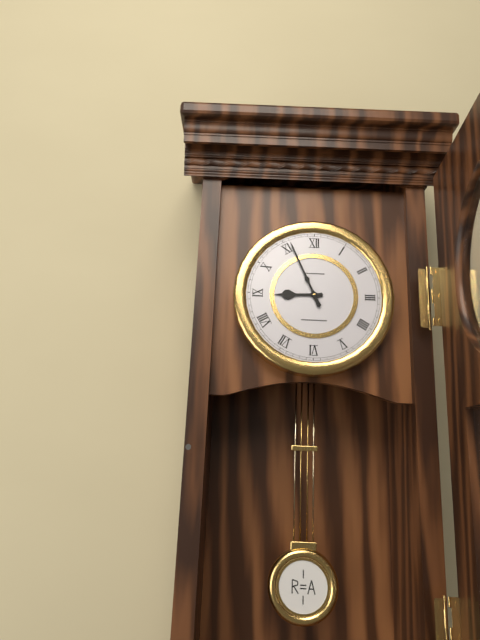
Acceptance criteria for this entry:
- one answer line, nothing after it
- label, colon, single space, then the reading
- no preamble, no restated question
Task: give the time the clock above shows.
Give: 8:56
